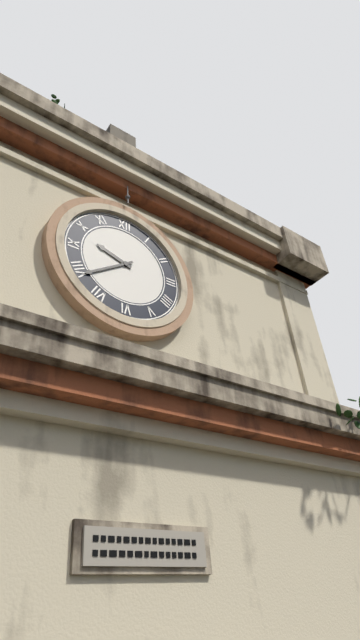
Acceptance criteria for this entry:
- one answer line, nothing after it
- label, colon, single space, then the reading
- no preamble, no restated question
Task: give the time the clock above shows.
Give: 9:39
